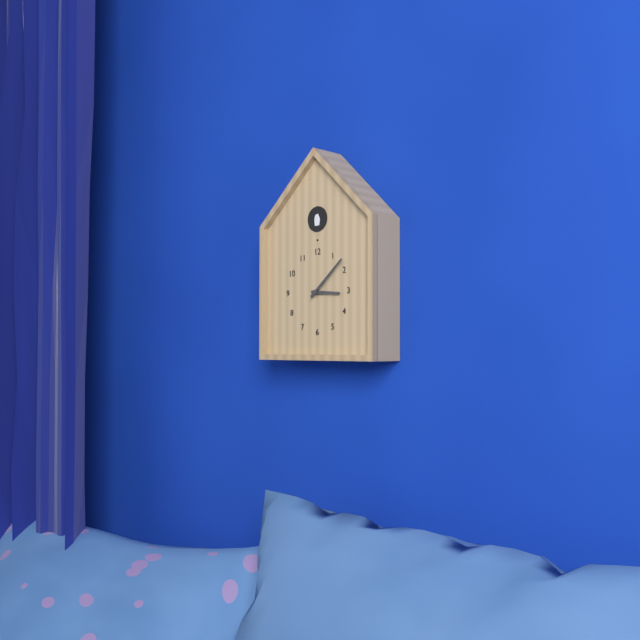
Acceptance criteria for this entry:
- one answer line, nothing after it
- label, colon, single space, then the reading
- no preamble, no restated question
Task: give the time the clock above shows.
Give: 3:08
